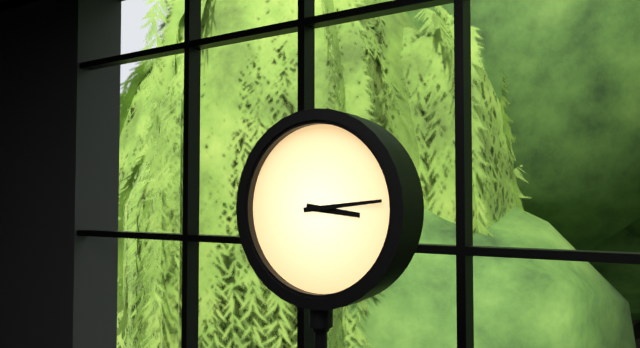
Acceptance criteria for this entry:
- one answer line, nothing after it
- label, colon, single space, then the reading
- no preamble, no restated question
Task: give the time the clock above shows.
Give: 3:14
